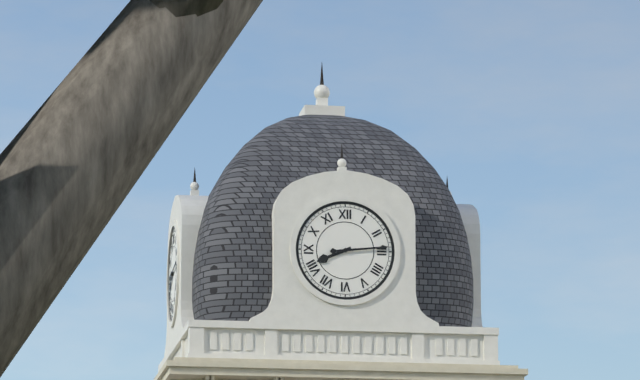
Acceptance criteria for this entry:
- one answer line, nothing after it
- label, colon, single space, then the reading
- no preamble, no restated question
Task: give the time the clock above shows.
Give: 8:14
